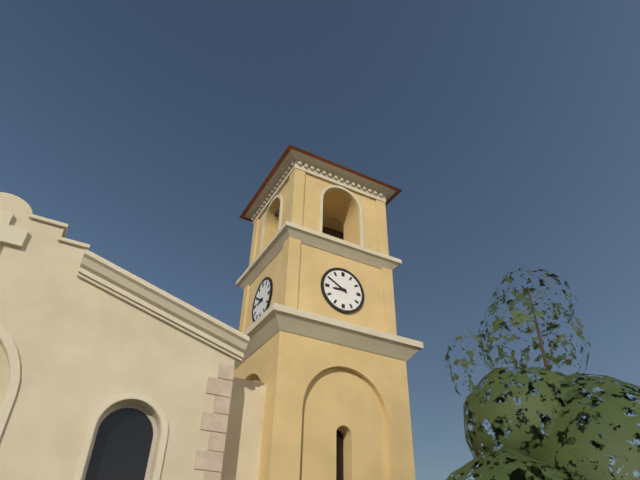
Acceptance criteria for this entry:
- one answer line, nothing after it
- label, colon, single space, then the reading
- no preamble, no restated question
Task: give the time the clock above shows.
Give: 8:50
